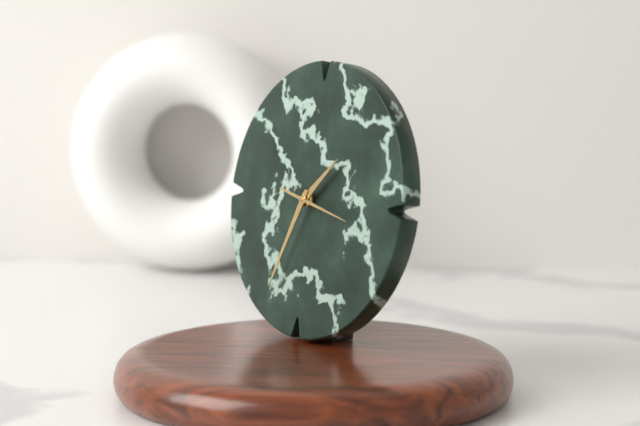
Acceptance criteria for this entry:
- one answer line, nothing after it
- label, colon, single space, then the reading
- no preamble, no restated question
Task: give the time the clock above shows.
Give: 1:34:17
